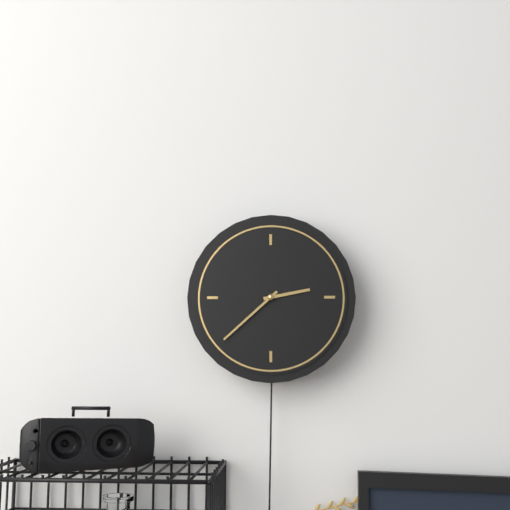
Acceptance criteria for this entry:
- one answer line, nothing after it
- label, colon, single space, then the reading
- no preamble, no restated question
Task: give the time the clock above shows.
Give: 2:38
